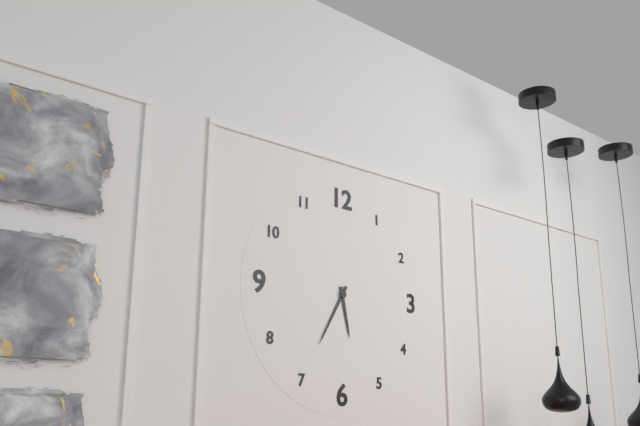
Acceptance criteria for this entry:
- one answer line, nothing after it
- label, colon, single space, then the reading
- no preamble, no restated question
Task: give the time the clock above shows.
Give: 5:35
